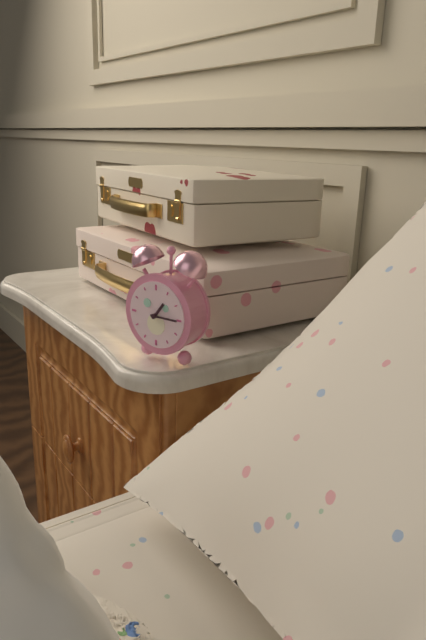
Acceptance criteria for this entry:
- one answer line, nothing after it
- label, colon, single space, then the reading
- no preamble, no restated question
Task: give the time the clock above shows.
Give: 1:15
